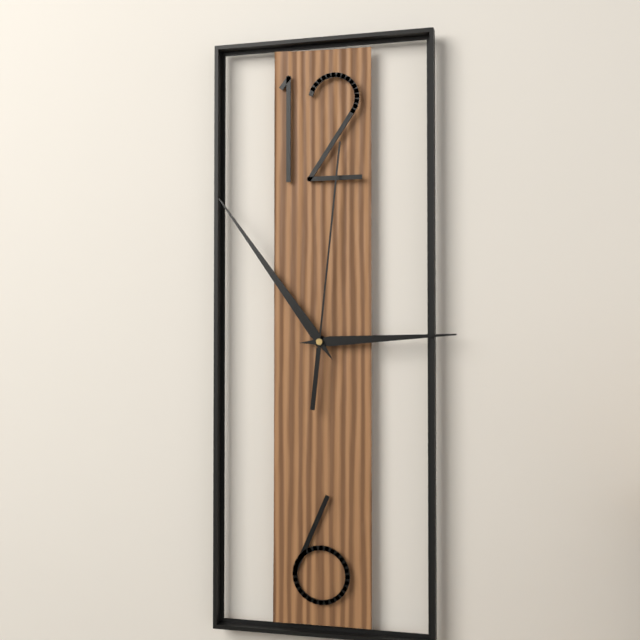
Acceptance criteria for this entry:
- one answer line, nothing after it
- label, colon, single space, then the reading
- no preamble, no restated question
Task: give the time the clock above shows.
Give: 2:54:01
